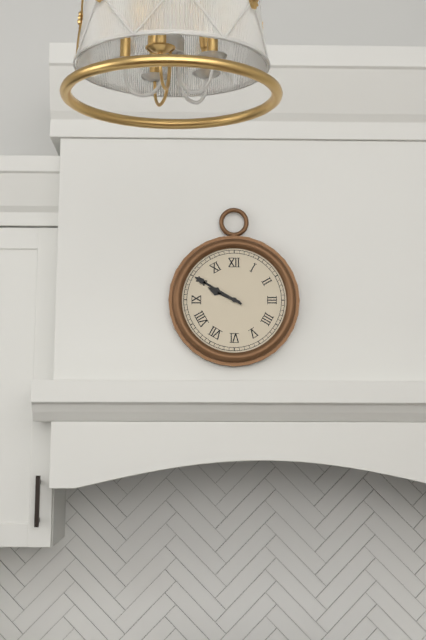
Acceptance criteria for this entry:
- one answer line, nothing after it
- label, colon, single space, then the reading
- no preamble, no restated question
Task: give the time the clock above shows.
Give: 9:50
